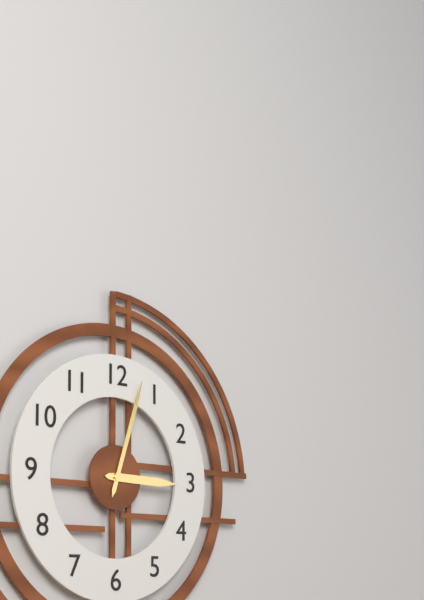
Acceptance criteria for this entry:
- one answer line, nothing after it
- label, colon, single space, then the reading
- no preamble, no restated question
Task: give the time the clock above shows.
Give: 3:03
